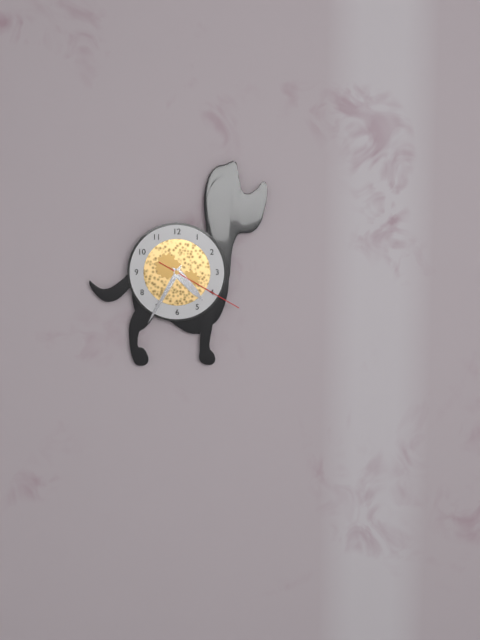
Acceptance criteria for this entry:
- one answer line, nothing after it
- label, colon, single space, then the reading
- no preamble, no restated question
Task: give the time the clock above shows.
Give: 4:35:20
